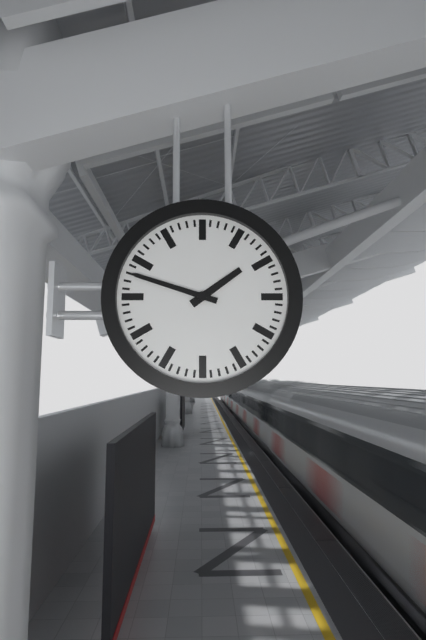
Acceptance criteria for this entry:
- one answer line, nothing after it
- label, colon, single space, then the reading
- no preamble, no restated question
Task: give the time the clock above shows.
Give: 1:48
